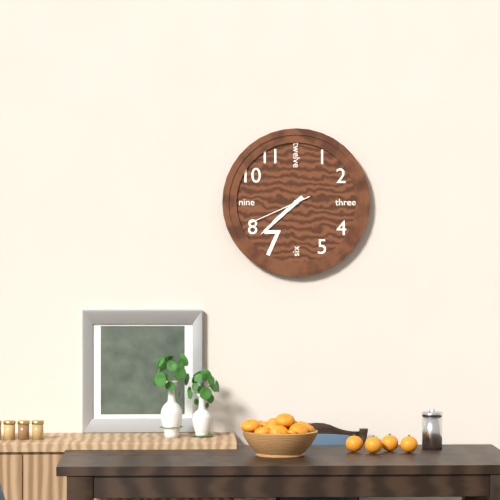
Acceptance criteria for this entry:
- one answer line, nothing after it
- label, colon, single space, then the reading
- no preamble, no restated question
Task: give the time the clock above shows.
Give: 7:38:41
